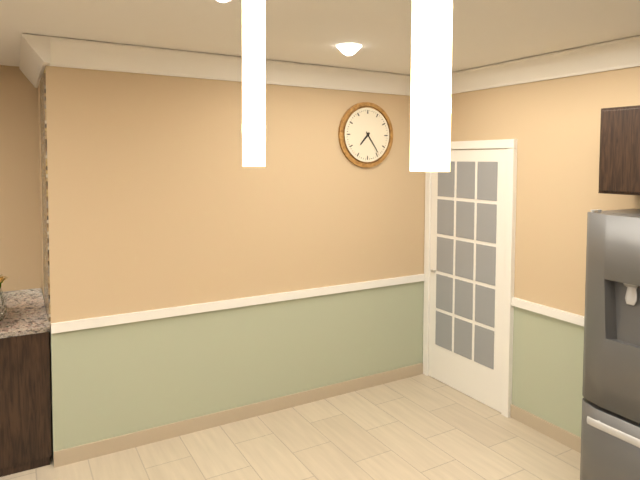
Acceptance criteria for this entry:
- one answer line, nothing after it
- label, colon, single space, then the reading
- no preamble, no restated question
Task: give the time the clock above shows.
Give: 7:24
